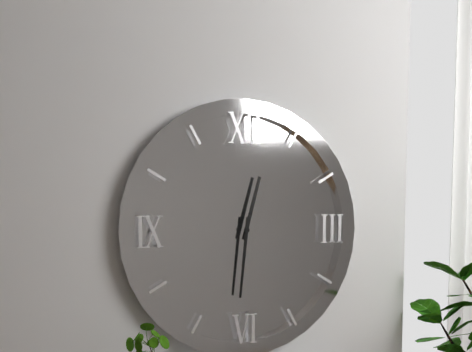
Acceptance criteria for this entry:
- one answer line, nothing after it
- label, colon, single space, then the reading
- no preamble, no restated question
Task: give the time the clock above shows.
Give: 12:31
